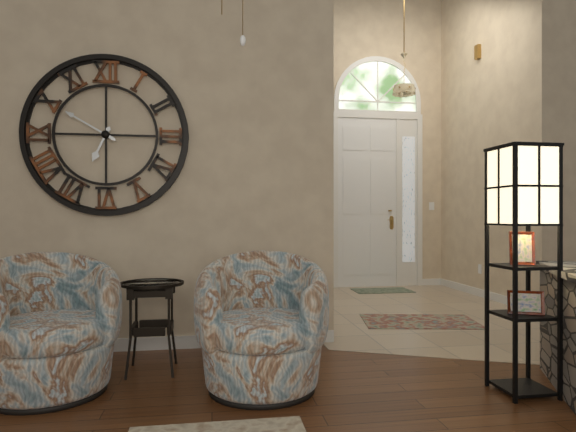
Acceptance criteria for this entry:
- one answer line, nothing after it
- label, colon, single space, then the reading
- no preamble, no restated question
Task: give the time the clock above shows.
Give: 6:50
